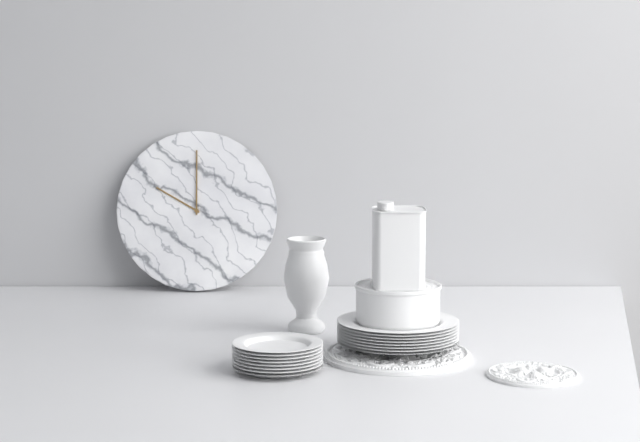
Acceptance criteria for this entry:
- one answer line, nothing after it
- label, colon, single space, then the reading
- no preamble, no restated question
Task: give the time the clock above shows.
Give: 10:00
